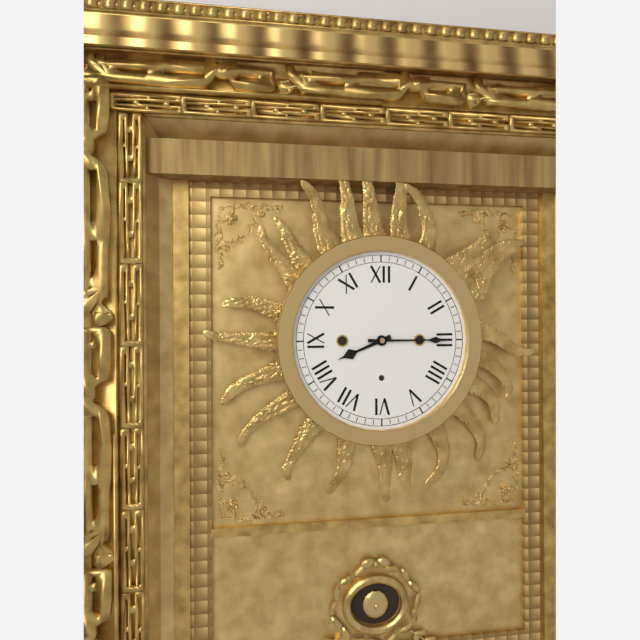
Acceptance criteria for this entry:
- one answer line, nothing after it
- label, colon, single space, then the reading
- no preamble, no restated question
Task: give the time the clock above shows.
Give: 8:15
